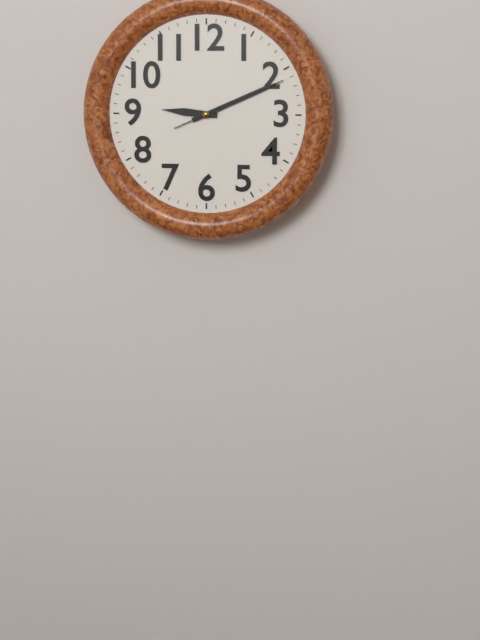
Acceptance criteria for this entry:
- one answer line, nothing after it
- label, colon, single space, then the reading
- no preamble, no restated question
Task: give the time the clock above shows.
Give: 9:11:11
